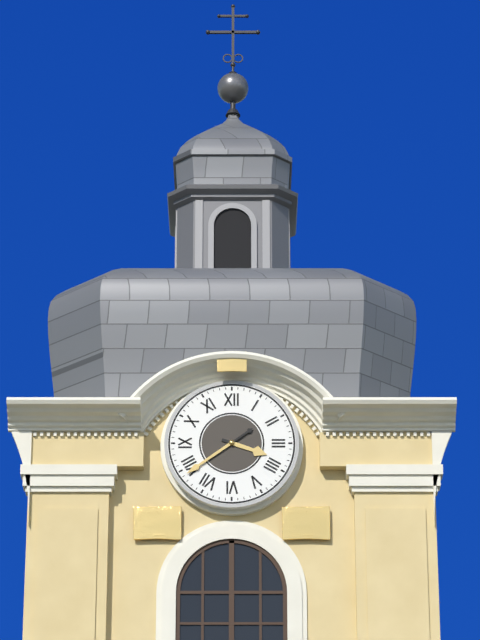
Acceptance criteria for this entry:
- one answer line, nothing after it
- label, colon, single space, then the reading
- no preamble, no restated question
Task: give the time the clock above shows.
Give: 3:39
